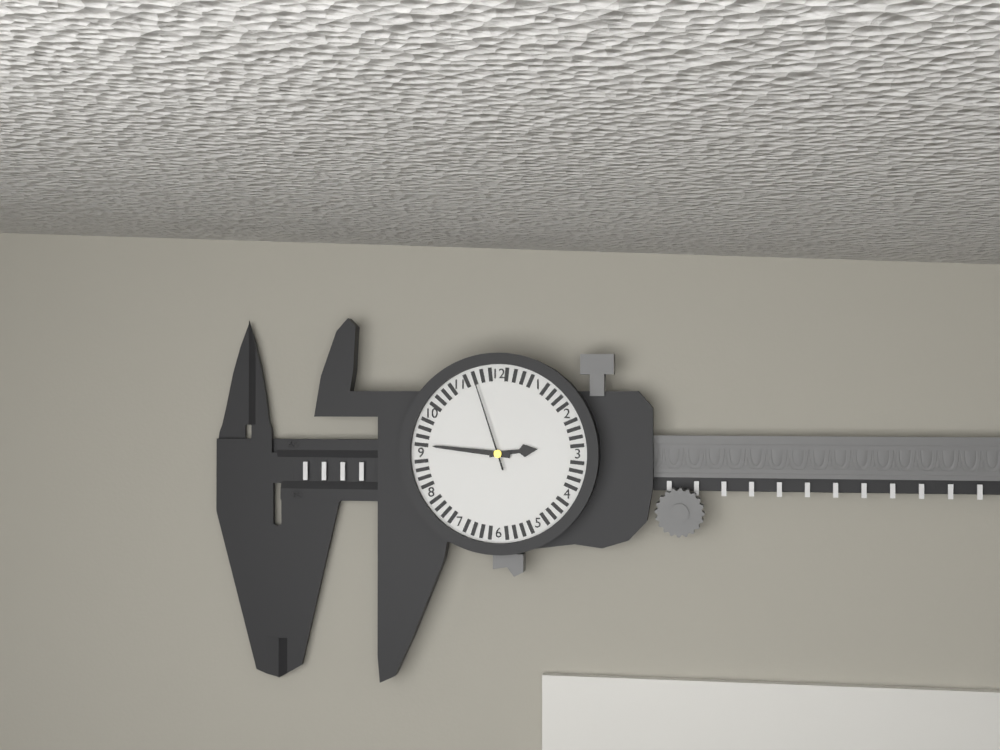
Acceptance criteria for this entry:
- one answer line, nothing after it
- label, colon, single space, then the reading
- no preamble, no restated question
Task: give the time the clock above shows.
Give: 2:46:57
